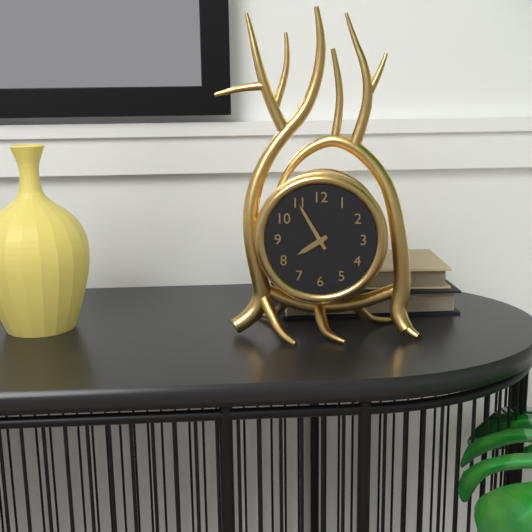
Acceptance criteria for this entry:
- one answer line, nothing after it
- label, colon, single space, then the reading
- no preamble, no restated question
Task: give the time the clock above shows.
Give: 7:55
